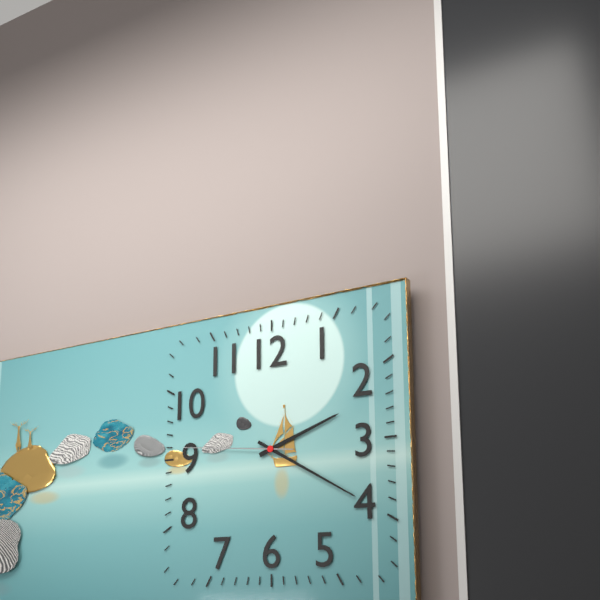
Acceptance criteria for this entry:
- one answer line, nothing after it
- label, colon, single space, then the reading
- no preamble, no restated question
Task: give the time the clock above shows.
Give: 2:20:46
